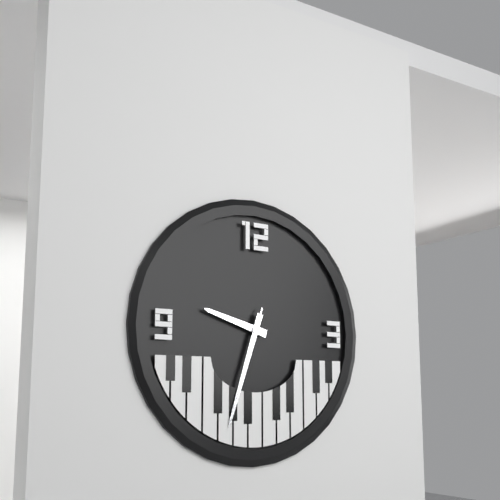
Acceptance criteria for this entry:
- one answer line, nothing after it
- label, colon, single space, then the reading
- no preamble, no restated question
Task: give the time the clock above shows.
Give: 9:33:33
